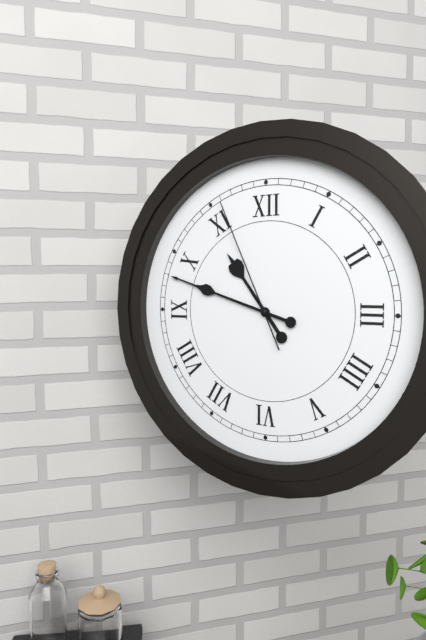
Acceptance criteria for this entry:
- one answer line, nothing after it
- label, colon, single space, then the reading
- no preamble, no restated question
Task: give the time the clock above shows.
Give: 10:48:56
